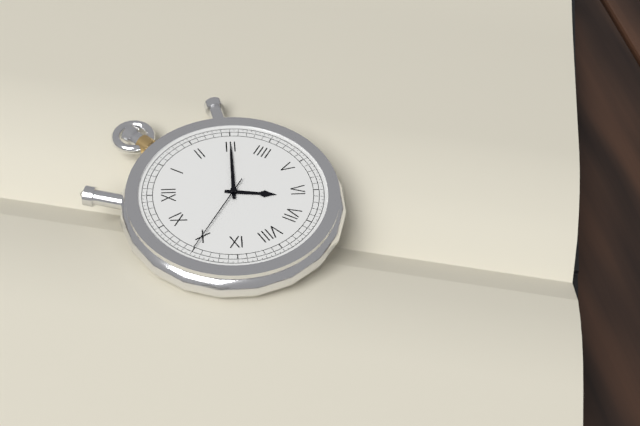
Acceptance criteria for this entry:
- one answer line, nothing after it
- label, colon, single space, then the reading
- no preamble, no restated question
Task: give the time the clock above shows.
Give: 6:15:50
